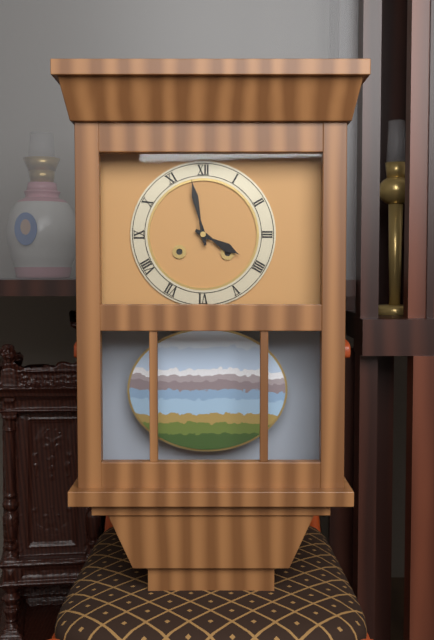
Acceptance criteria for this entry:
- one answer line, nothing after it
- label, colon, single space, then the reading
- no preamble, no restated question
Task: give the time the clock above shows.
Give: 3:58
